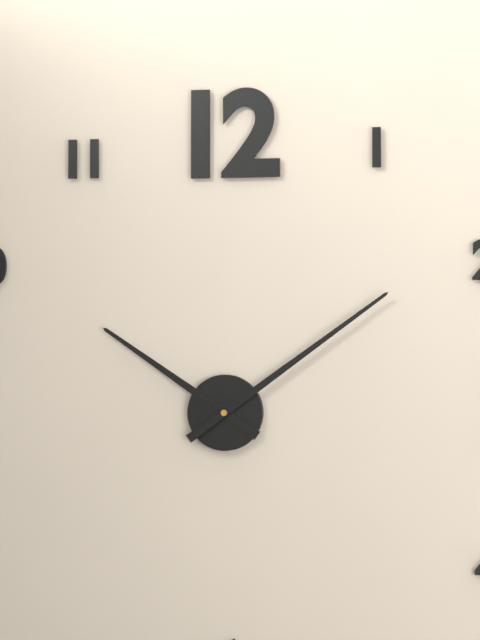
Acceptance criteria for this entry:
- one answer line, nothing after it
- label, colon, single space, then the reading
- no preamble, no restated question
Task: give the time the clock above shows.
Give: 10:09
